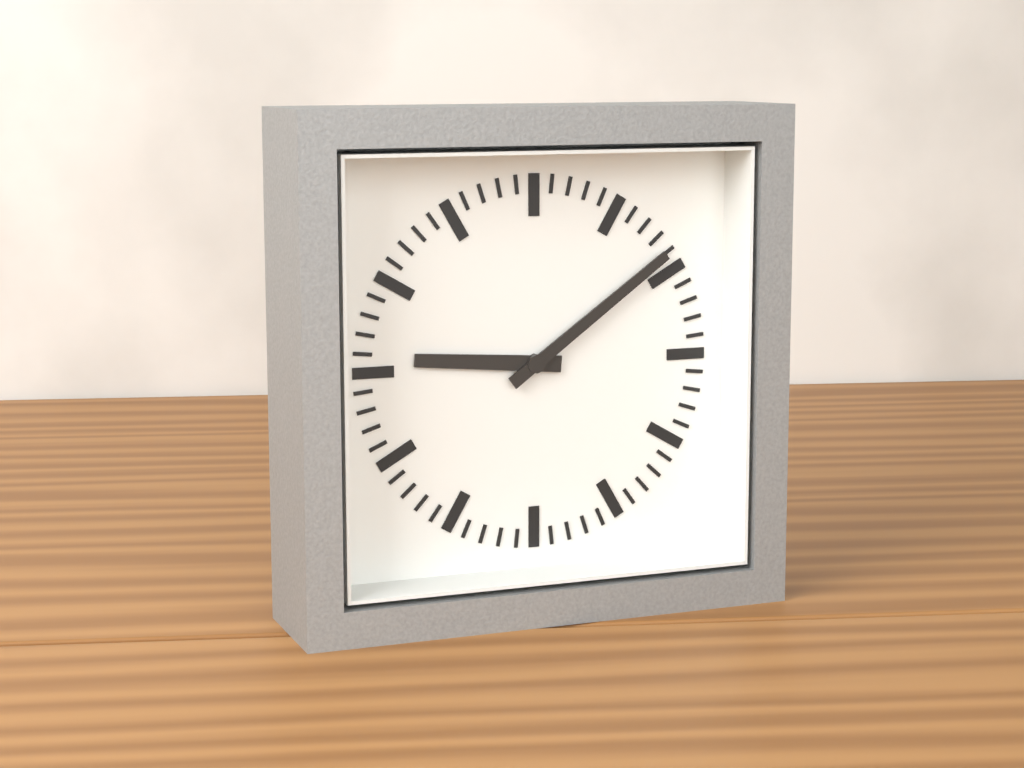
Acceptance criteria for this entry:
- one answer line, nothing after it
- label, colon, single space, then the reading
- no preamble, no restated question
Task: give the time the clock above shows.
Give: 9:09
